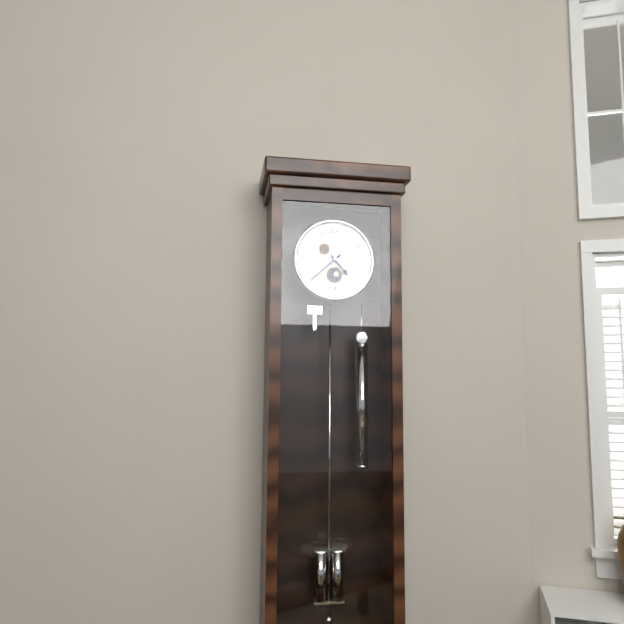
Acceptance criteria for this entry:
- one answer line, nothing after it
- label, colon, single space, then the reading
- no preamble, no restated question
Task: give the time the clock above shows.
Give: 4:38
